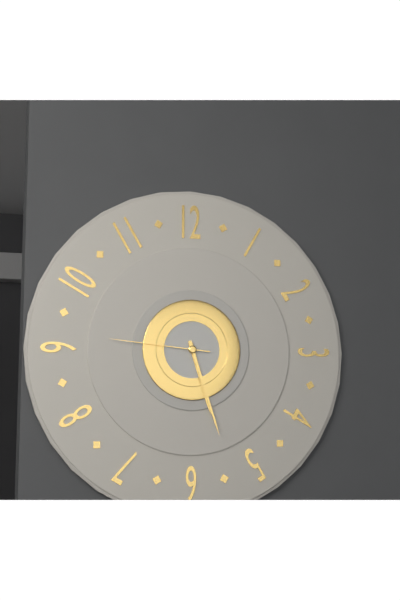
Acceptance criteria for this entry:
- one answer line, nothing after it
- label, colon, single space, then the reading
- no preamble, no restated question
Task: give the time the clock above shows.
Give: 5:27:46
